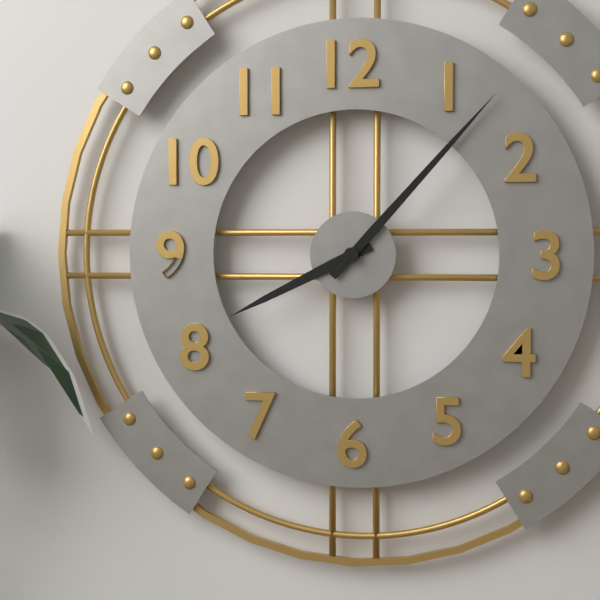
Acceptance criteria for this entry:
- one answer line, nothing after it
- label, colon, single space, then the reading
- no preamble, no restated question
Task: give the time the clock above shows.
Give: 8:07
